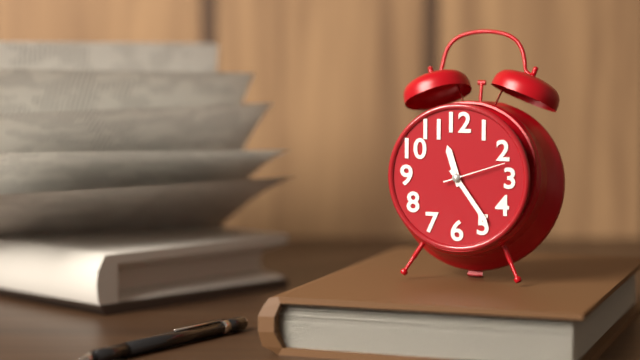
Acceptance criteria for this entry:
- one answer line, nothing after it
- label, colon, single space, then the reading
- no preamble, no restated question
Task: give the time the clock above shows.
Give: 11:24:12
